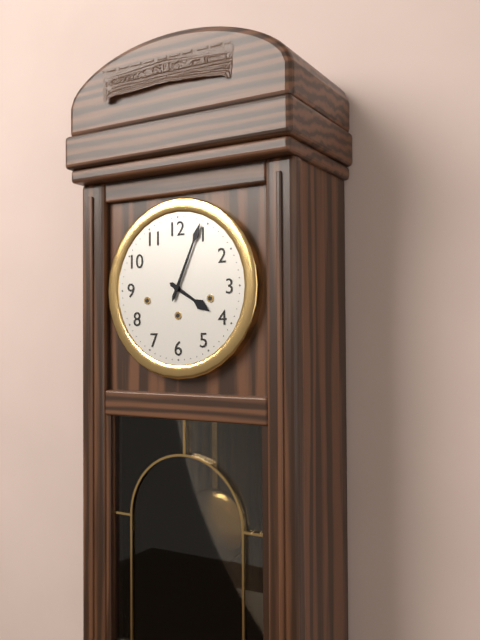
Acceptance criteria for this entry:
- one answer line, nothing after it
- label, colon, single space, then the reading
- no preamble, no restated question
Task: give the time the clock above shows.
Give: 4:04
